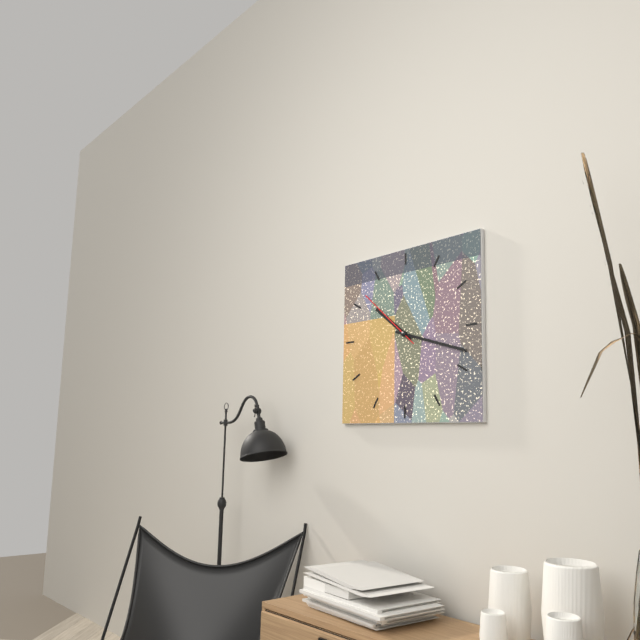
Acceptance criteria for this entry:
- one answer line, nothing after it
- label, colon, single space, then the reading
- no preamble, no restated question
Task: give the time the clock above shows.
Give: 10:18:52
